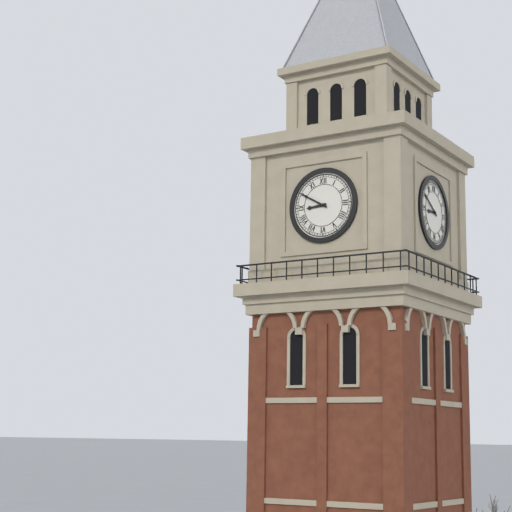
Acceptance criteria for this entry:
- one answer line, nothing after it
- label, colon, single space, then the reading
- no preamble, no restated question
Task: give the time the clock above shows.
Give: 8:50
